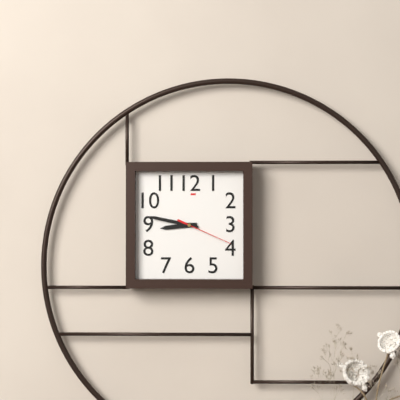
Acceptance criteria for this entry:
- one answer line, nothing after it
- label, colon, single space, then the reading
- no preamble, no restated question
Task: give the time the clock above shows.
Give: 8:47:19
